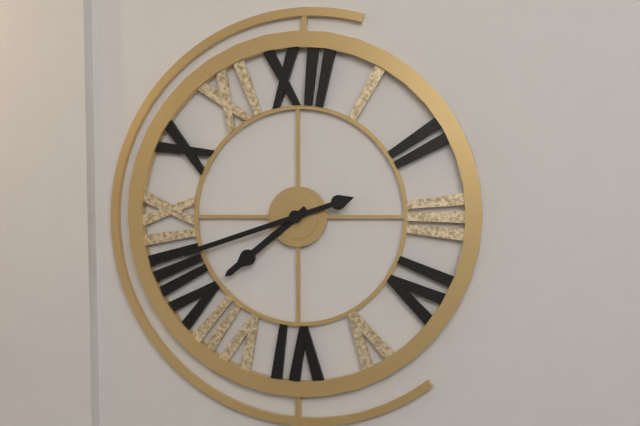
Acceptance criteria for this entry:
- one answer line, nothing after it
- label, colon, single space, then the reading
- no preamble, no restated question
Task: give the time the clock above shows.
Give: 7:42
